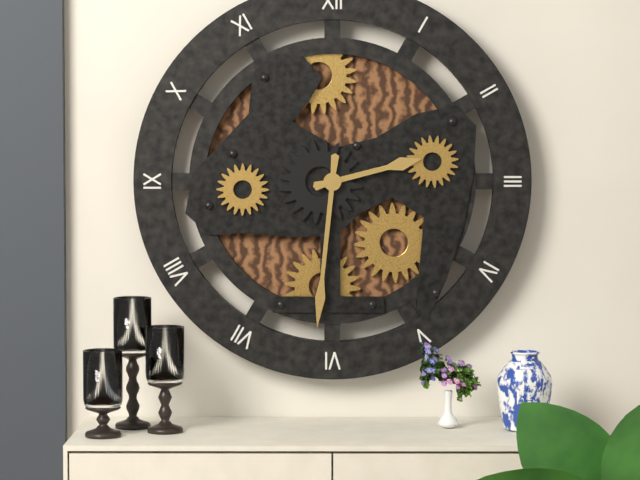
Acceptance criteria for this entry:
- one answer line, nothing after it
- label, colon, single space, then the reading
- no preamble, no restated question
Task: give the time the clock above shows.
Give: 2:31
